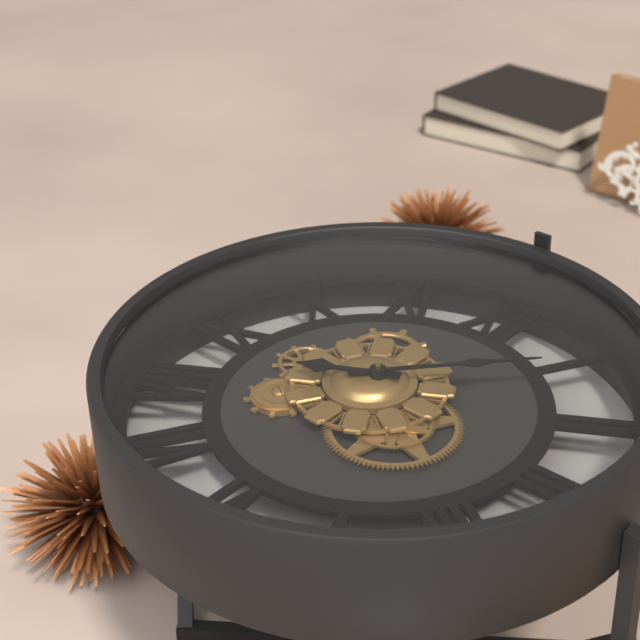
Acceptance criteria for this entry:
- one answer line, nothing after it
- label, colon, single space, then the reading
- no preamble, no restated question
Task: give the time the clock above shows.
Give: 8:07
